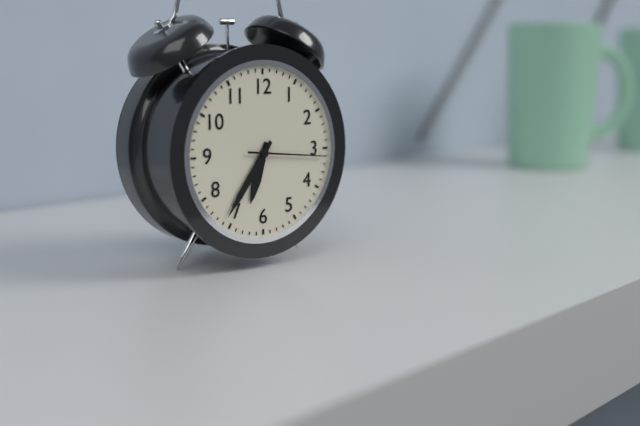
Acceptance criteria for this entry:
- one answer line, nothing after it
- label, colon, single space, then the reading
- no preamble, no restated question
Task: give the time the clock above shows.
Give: 6:36:16
